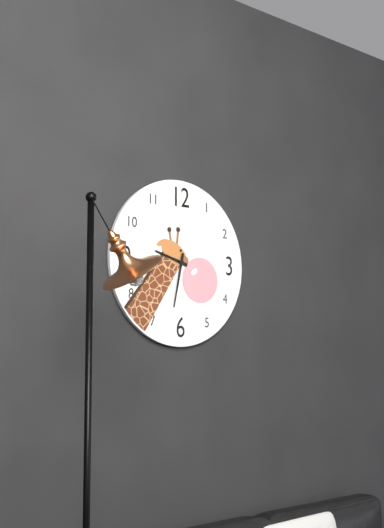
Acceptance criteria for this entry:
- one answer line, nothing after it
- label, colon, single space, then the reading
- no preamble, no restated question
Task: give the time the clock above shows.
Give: 9:32
